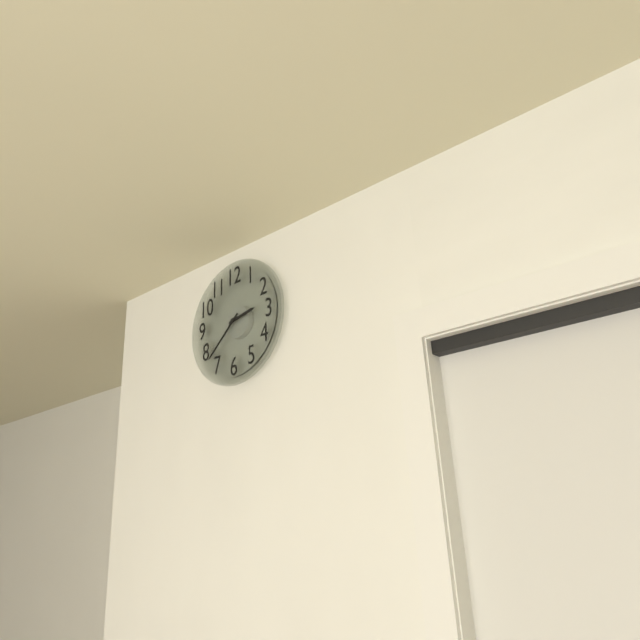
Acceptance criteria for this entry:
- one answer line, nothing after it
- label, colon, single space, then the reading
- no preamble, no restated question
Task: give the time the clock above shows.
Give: 2:38
